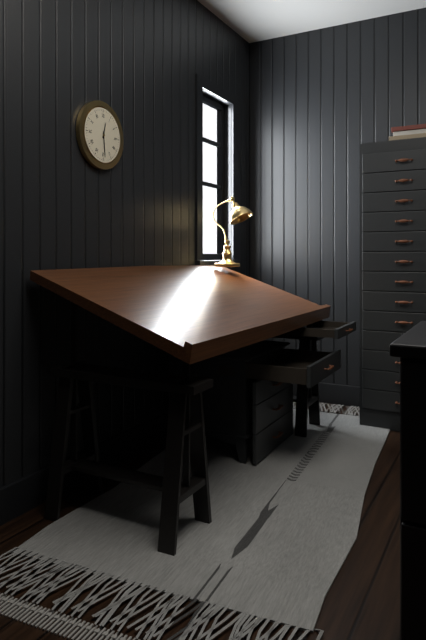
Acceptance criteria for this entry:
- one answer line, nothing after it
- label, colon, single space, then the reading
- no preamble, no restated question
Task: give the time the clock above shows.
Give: 12:29
